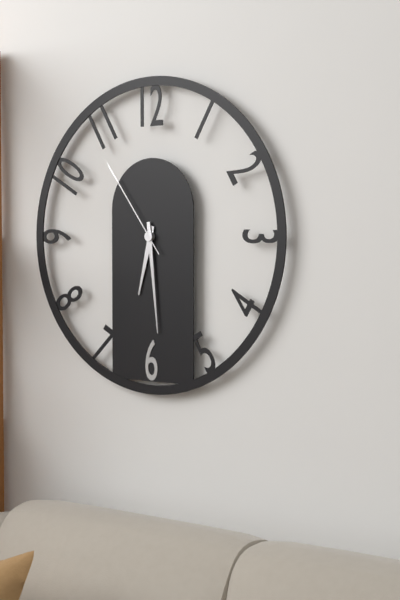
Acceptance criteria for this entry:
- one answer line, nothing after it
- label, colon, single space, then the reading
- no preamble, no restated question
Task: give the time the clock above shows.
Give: 6:29:54
